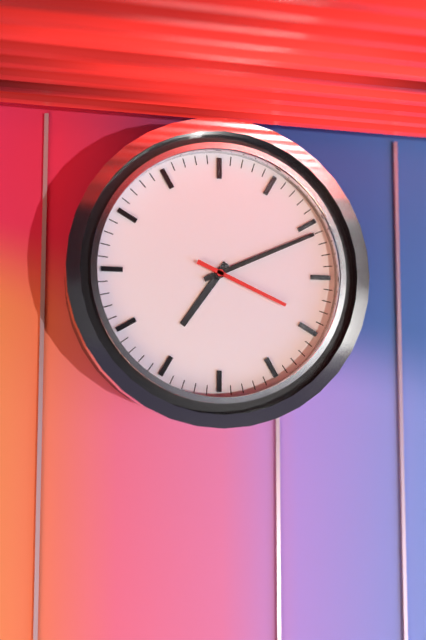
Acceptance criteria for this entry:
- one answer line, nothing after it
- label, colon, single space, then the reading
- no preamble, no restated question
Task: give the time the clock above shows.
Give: 7:11:19
